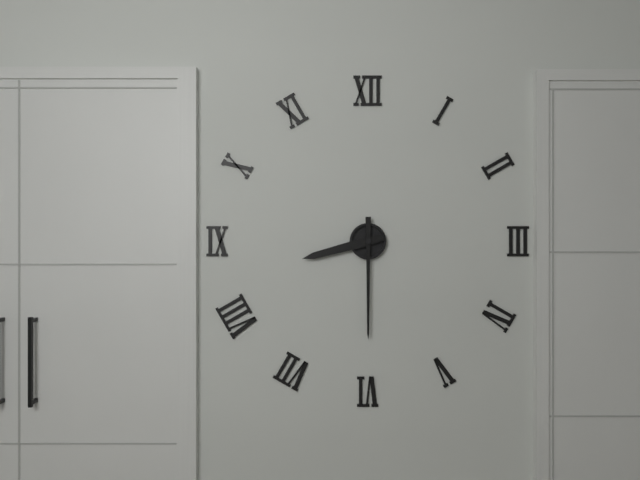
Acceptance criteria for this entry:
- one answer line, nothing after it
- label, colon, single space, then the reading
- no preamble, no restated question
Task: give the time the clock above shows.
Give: 8:30
